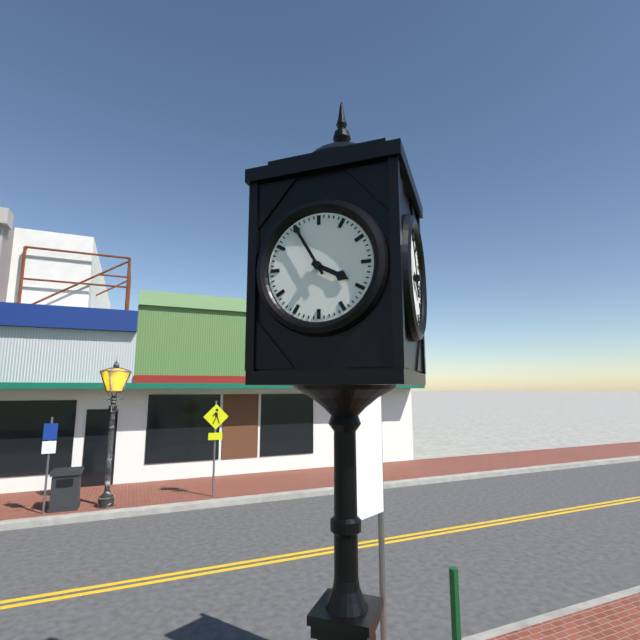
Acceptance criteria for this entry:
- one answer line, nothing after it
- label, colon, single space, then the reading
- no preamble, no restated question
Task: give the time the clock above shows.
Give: 3:55
